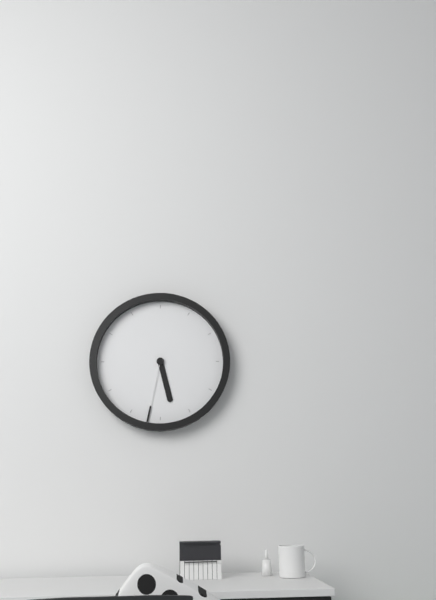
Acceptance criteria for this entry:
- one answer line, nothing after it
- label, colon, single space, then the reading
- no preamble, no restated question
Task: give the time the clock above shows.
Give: 5:32
